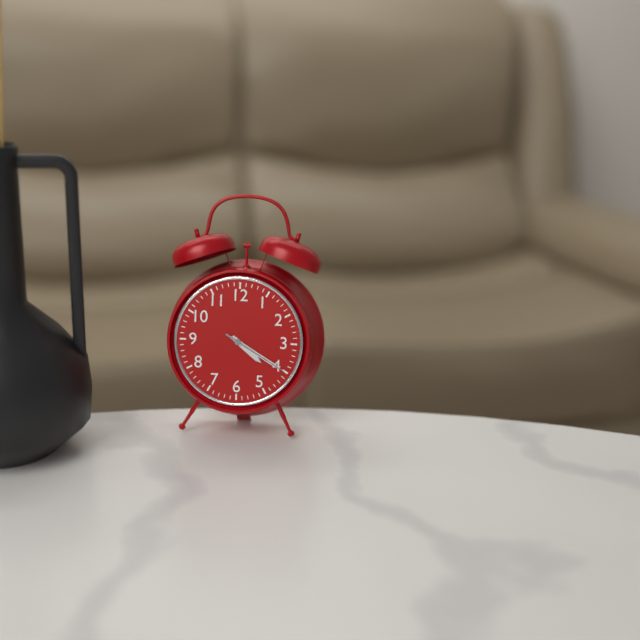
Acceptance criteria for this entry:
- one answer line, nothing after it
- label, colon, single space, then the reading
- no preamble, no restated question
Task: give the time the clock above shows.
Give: 4:20:20
